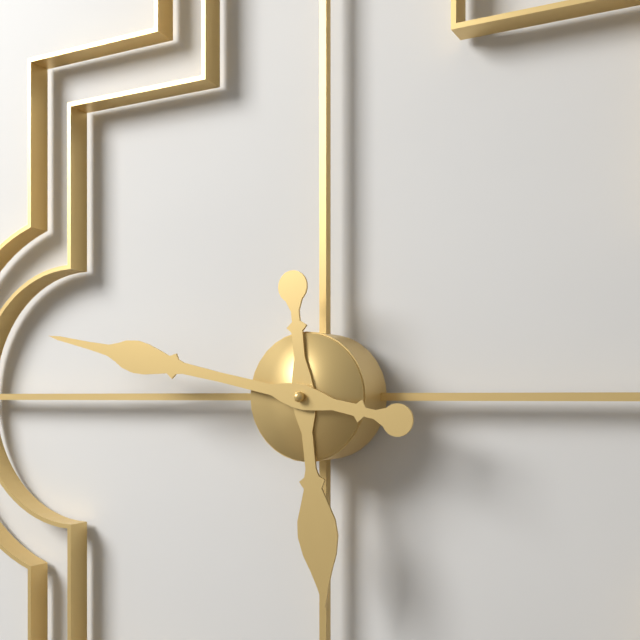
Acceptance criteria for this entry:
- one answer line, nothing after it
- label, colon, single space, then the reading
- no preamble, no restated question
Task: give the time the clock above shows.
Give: 5:47
